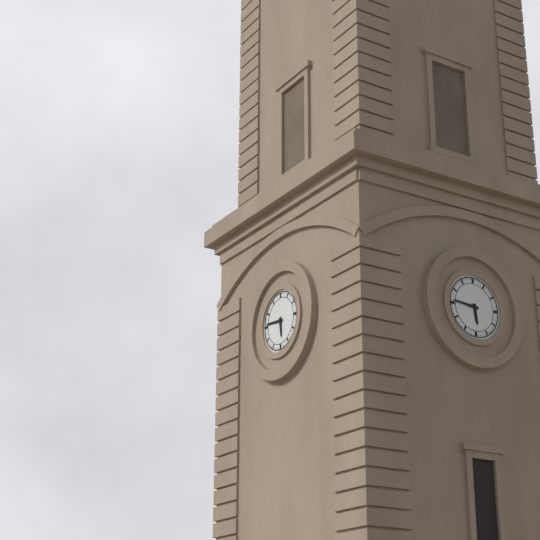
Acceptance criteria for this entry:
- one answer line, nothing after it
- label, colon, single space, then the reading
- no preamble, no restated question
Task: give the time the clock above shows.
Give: 5:46
